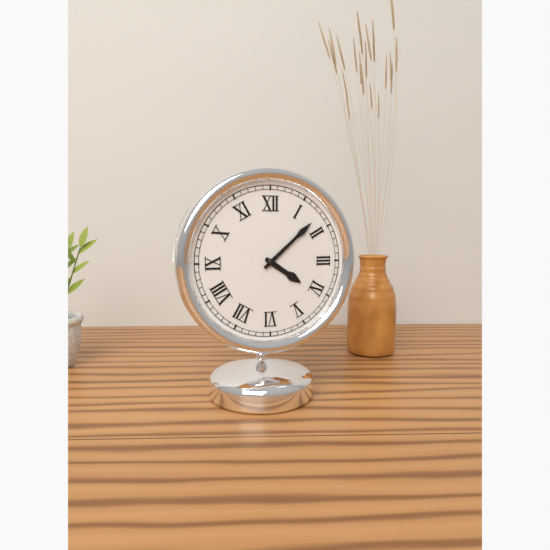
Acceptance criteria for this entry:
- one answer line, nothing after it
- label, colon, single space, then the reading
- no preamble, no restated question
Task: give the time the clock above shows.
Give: 4:08
